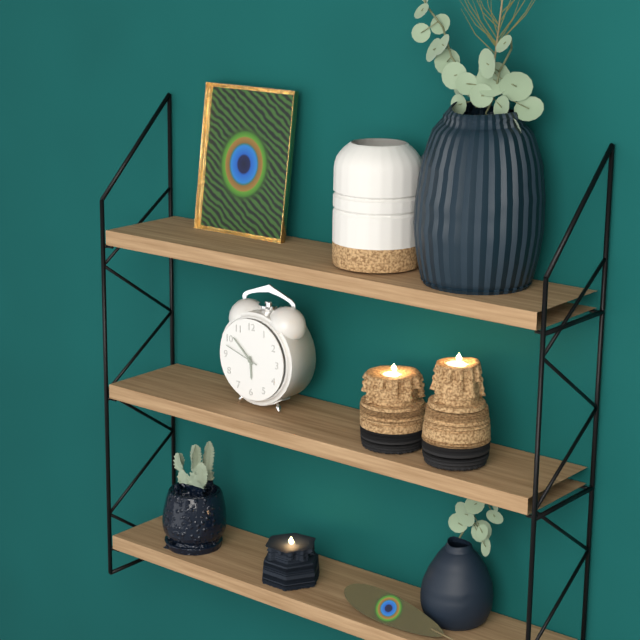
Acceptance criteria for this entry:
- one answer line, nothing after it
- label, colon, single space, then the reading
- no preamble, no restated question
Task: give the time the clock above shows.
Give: 5:52
